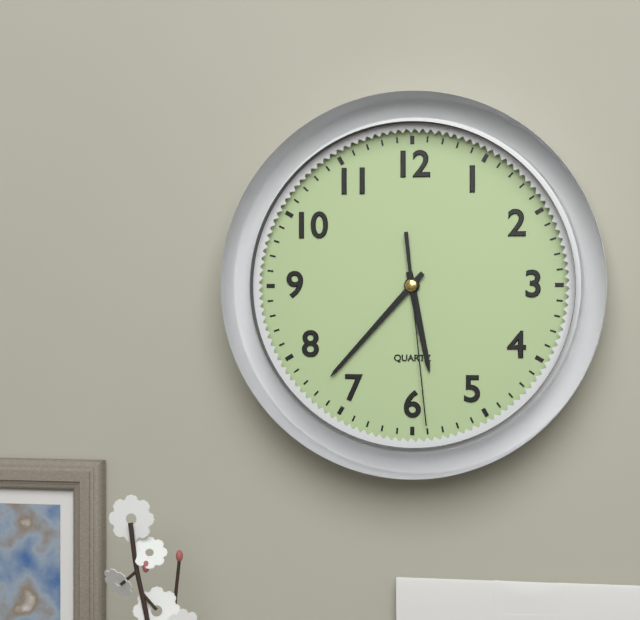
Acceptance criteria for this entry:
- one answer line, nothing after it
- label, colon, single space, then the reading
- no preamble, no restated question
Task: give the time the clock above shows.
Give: 5:37:29
